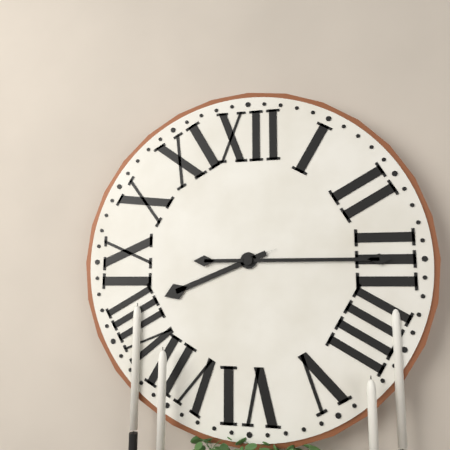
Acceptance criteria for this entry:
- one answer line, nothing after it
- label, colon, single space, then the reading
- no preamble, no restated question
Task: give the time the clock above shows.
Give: 8:15
